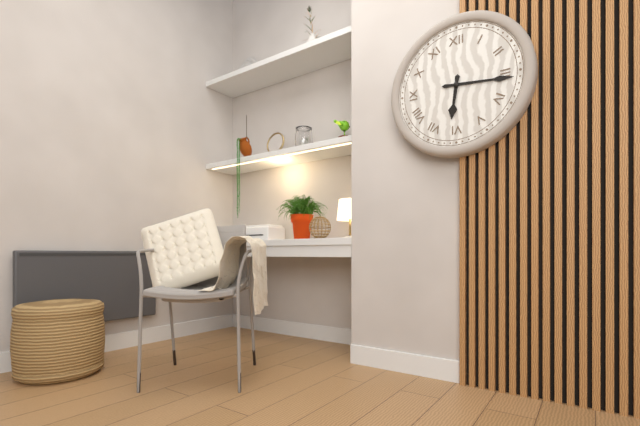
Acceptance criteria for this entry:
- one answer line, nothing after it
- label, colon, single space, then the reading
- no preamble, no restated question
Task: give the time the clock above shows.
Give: 6:16
